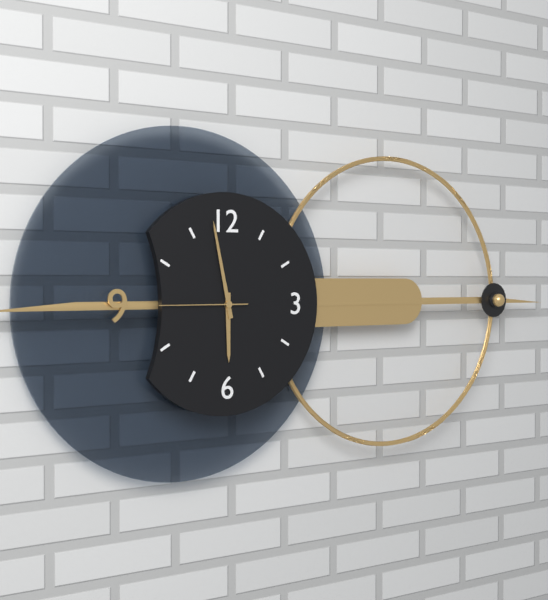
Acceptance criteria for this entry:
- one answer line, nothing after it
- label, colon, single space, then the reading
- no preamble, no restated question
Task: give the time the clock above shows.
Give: 5:58:45
